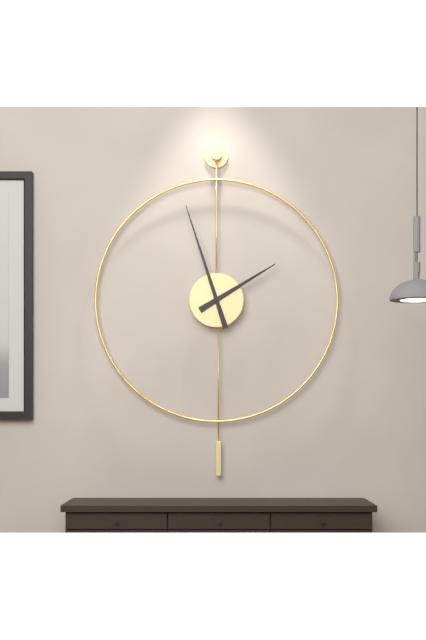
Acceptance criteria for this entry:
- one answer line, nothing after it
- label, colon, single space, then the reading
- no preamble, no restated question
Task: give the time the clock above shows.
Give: 1:57
